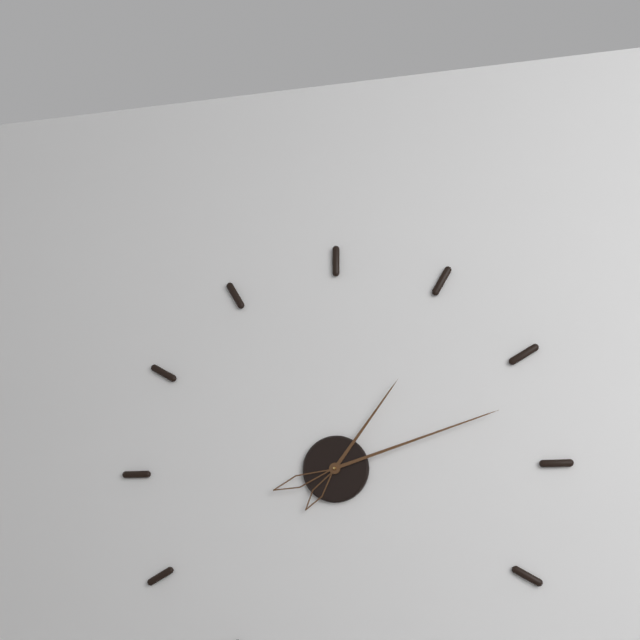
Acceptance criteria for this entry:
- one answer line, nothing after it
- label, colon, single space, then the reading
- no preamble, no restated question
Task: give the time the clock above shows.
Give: 1:12
